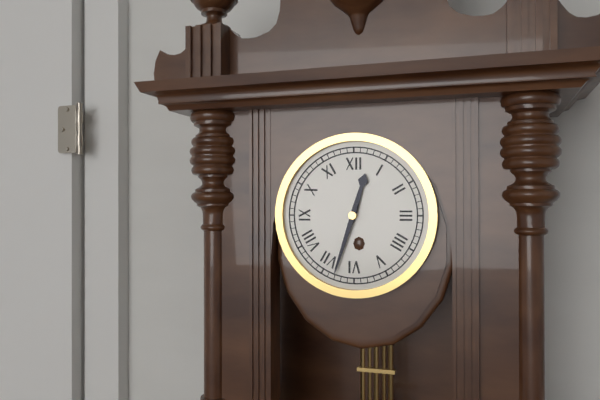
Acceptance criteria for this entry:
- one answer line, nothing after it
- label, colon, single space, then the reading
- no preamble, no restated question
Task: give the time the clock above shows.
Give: 12:33
